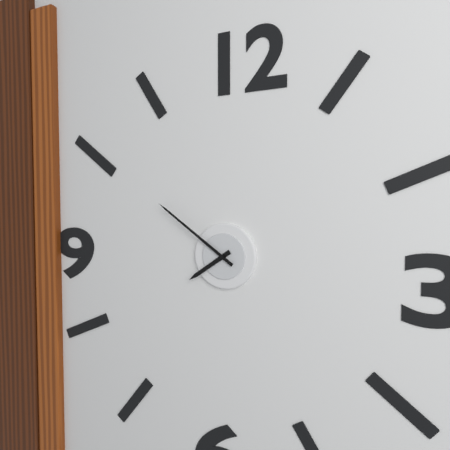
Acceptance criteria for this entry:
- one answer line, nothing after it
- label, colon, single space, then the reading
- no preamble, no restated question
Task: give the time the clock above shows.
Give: 7:51
